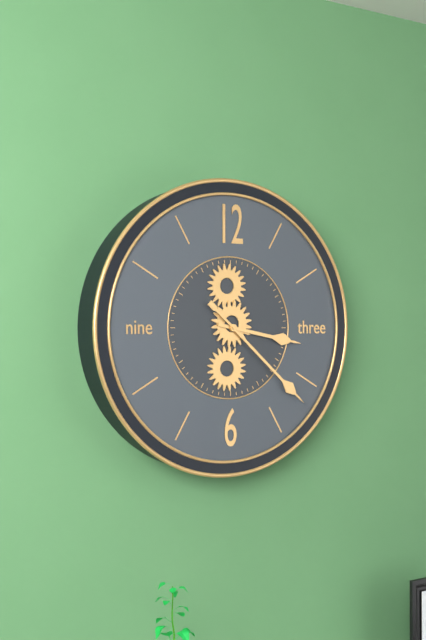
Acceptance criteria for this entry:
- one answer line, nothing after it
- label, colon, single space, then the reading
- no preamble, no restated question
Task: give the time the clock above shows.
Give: 3:22
